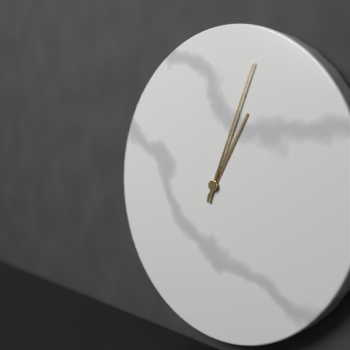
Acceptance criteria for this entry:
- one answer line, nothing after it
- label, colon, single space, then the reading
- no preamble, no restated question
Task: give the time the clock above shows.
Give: 1:04
